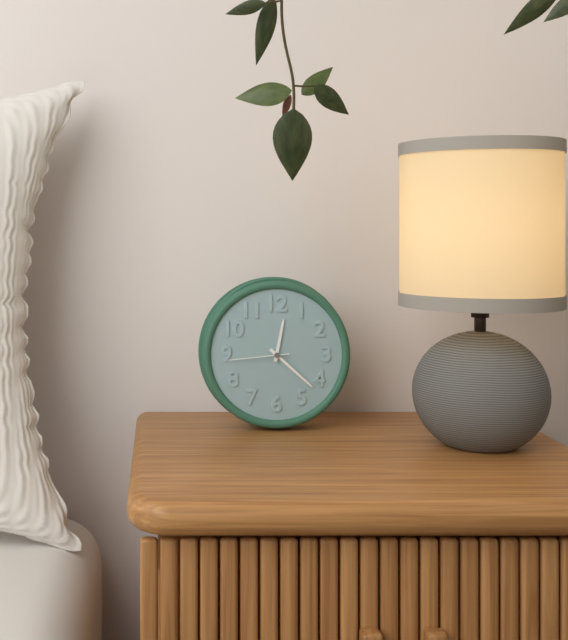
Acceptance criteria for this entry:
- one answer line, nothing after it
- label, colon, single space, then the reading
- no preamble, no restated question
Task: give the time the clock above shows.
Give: 12:22:44
